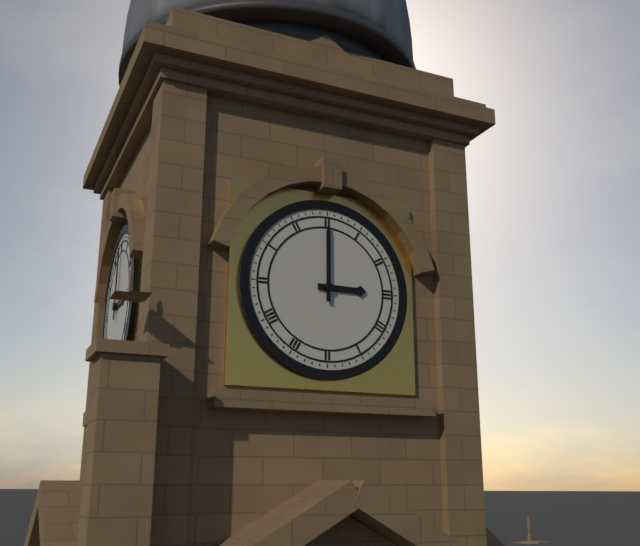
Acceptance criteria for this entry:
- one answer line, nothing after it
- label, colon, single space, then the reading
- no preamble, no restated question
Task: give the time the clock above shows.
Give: 3:00
